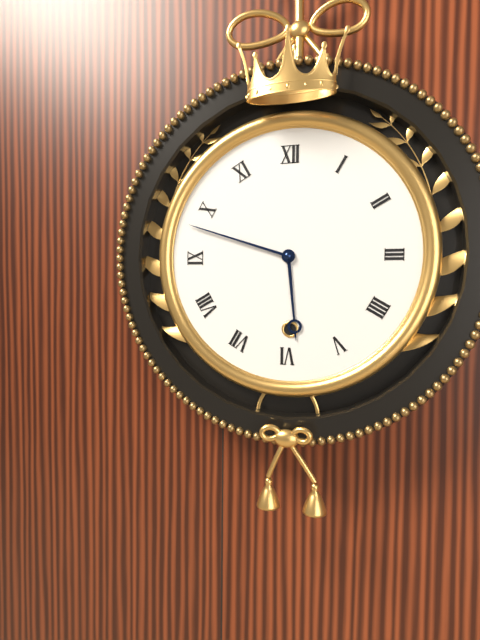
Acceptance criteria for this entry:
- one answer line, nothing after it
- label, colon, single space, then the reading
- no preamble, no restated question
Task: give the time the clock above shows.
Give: 5:48
